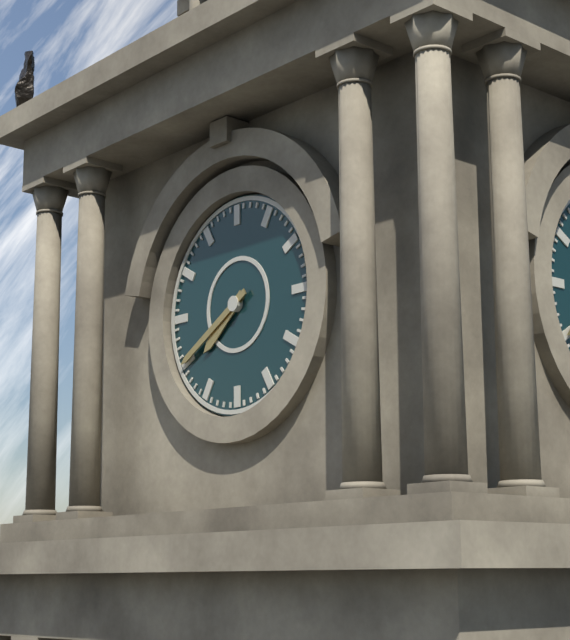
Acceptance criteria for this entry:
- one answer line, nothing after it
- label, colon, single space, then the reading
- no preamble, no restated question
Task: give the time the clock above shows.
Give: 7:40
